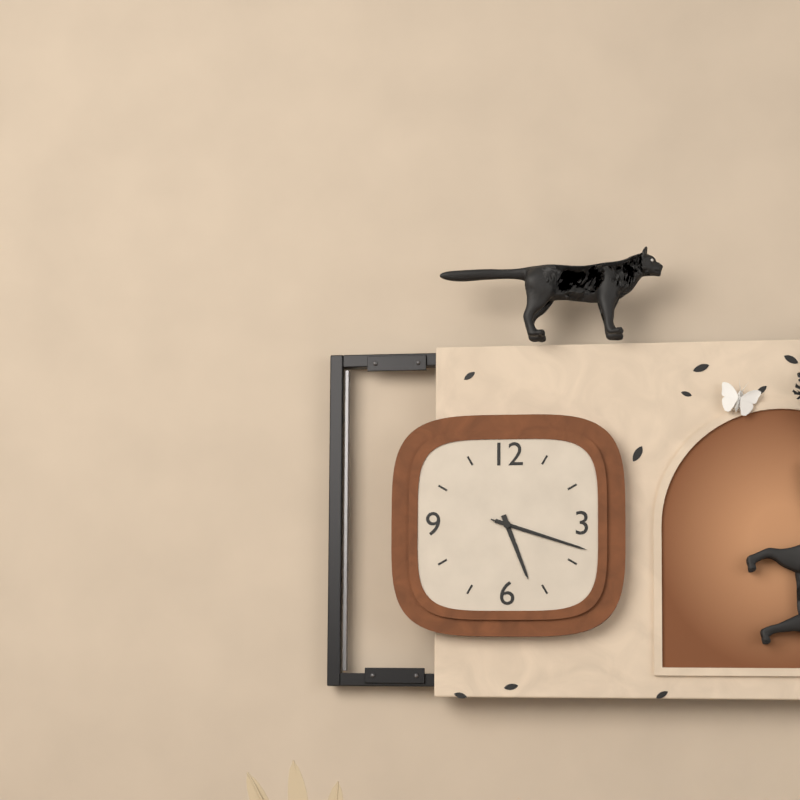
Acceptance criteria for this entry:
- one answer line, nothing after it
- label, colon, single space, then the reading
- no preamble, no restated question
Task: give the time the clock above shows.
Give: 5:18:18
